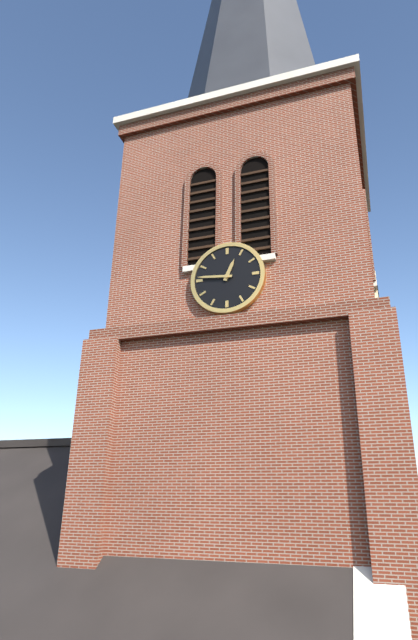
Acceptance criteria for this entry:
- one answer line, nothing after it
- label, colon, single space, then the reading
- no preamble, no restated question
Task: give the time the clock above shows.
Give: 12:46
